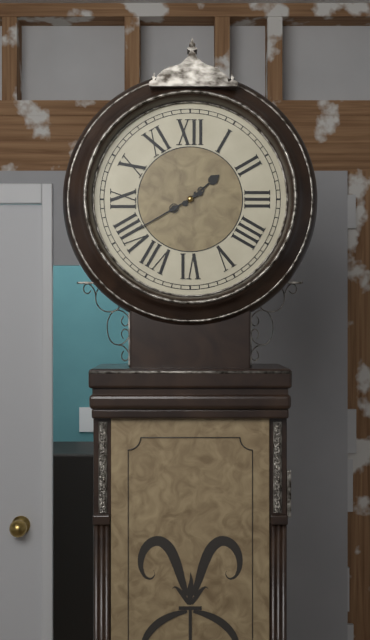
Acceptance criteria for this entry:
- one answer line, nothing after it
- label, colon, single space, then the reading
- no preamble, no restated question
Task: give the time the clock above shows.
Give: 1:40
